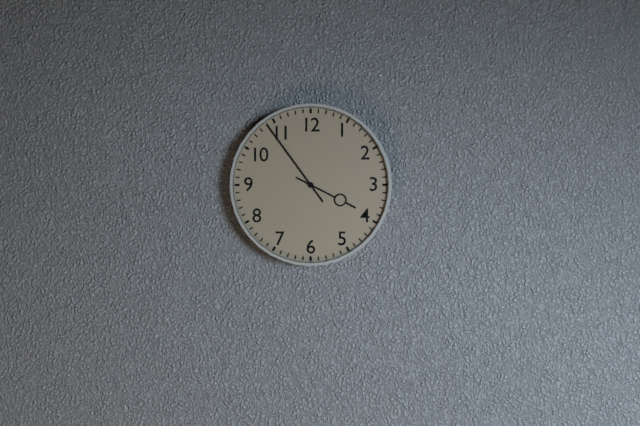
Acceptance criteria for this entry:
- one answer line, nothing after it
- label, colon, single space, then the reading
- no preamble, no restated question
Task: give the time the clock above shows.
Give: 3:54
